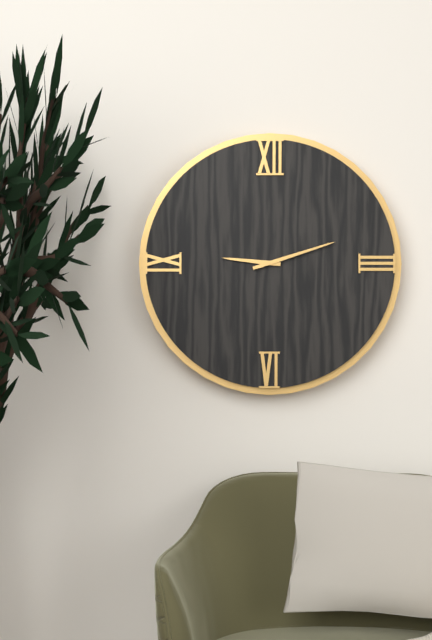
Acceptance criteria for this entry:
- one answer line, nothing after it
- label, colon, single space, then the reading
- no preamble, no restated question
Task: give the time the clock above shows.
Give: 9:12
